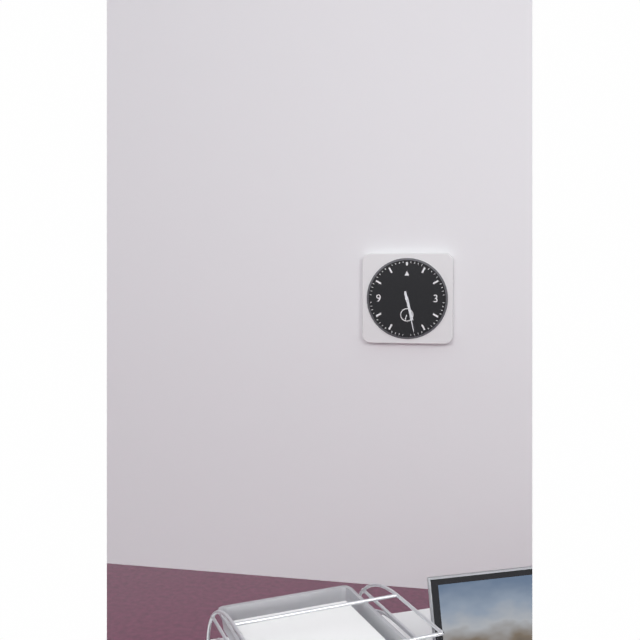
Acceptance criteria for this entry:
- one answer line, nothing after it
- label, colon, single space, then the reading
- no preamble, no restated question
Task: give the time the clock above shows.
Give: 5:28
